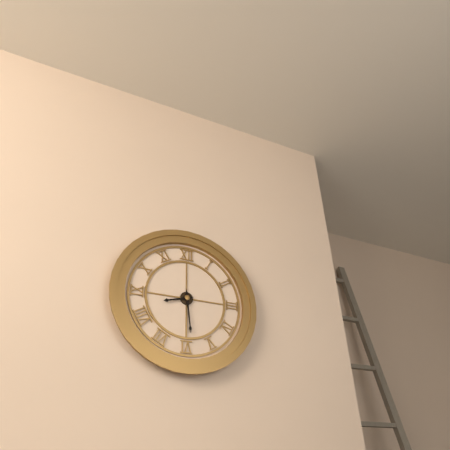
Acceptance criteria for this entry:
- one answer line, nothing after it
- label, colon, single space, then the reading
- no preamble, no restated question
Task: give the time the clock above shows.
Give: 8:29
